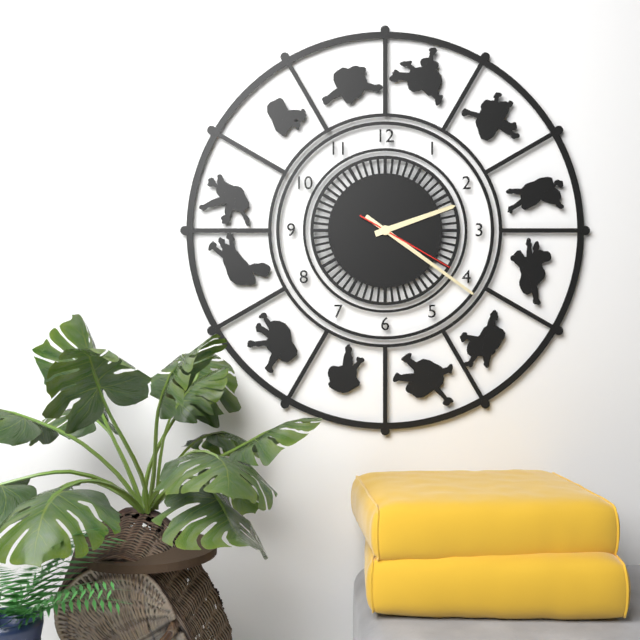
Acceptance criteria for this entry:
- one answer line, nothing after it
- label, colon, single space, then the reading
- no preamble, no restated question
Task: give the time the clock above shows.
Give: 2:21:20
